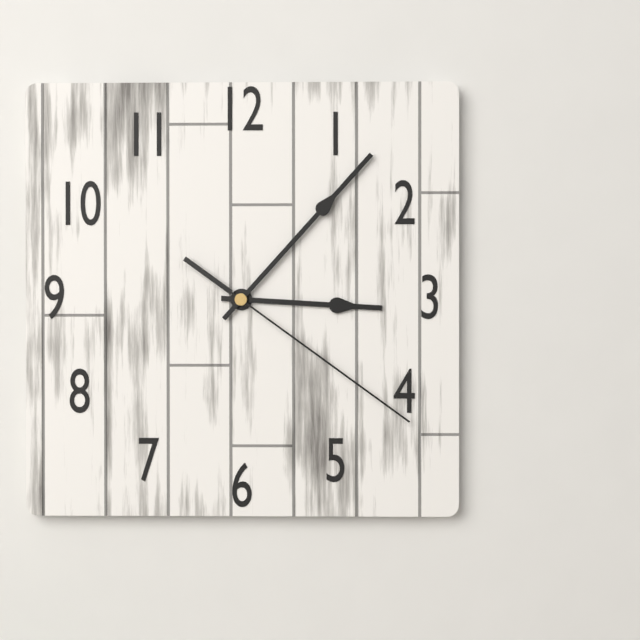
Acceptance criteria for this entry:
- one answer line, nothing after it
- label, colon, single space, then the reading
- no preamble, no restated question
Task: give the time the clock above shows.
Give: 3:07:21
